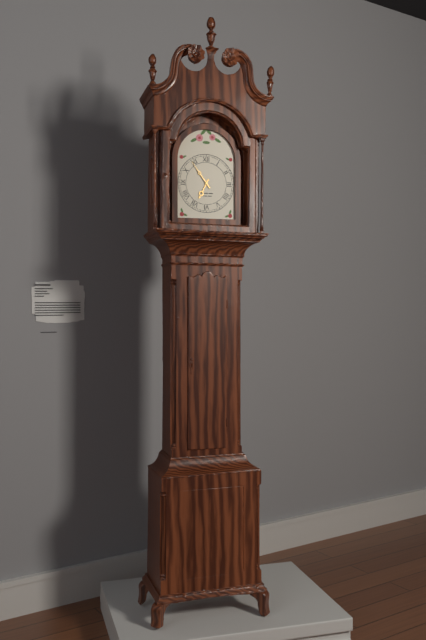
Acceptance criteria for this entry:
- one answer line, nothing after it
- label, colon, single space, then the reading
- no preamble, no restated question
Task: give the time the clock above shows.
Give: 6:54
